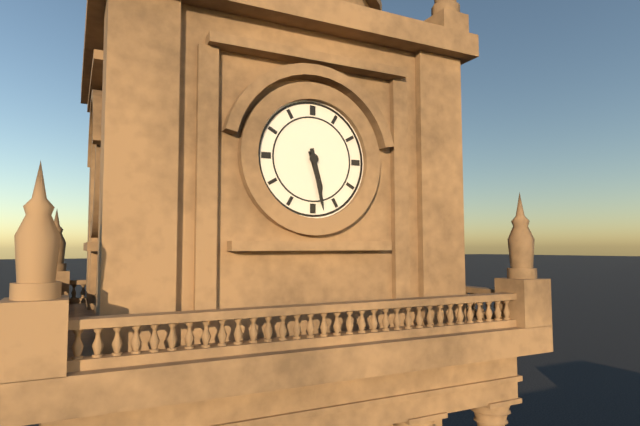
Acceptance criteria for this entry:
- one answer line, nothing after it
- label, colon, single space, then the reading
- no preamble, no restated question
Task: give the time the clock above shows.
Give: 5:28
